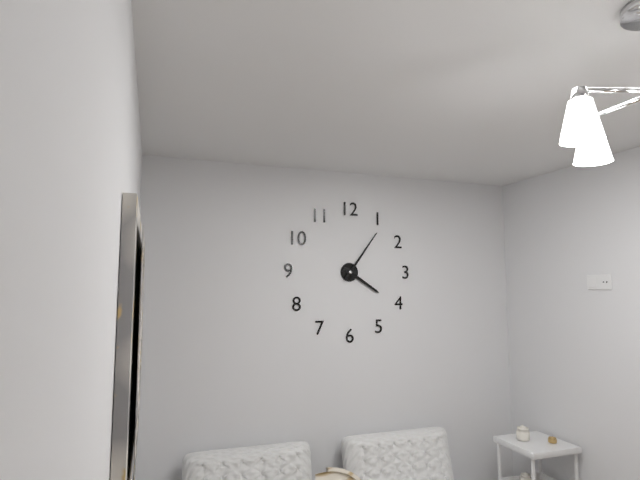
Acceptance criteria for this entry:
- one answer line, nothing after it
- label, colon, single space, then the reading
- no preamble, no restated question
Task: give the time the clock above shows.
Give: 4:06
